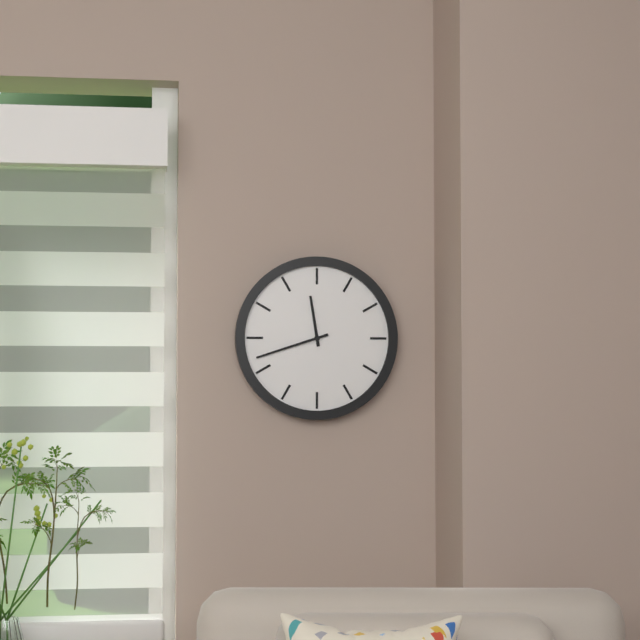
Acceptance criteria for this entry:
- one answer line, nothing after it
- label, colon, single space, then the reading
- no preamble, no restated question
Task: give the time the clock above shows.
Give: 11:42
